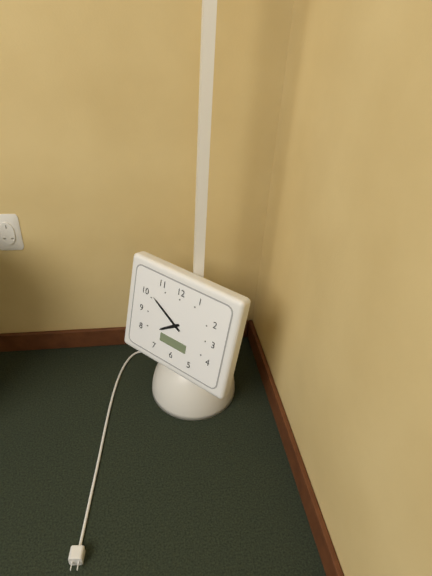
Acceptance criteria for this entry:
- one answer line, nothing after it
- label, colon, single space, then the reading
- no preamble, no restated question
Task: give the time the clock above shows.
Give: 7:50
